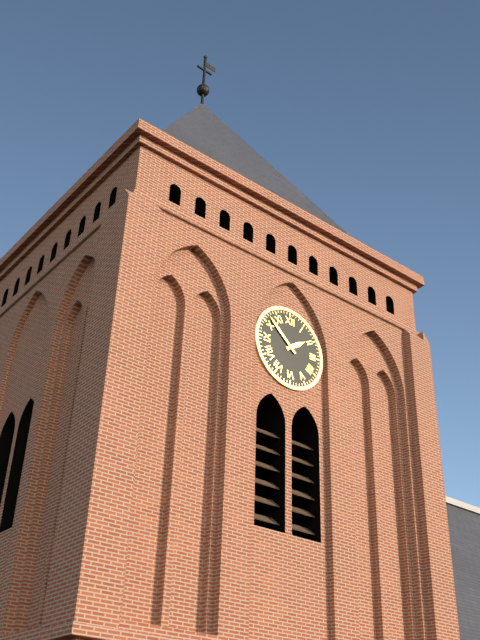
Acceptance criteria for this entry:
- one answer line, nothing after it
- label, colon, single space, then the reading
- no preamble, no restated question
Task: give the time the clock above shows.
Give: 1:52
